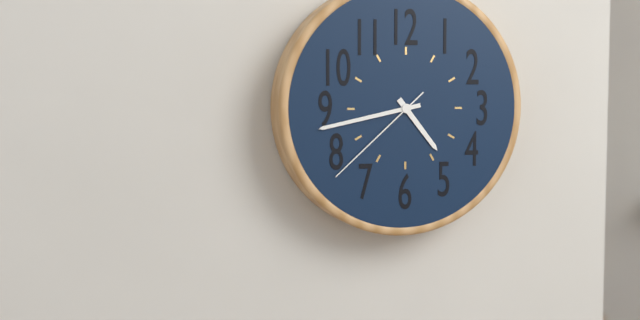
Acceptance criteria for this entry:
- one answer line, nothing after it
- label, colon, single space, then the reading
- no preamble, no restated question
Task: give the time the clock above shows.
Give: 4:43:38
